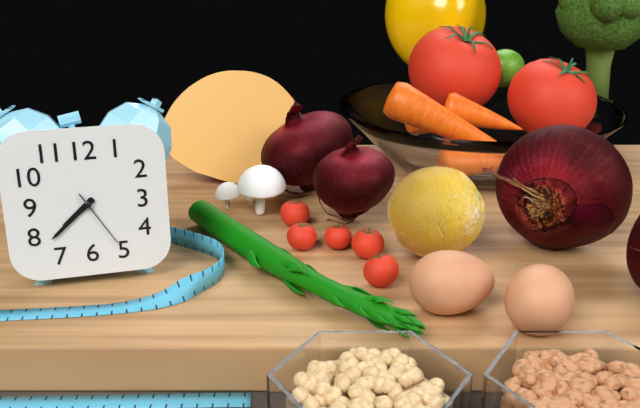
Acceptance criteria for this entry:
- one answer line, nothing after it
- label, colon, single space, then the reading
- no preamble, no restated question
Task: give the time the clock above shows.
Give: 7:38:25
